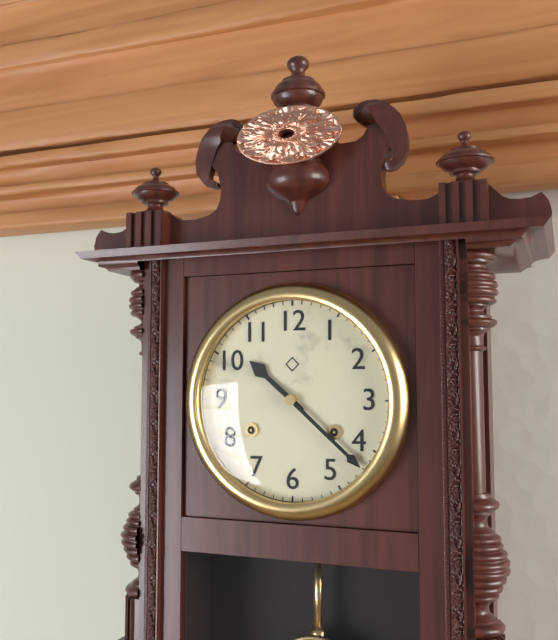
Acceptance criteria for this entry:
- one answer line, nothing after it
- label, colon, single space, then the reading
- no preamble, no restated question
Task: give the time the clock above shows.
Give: 10:22
